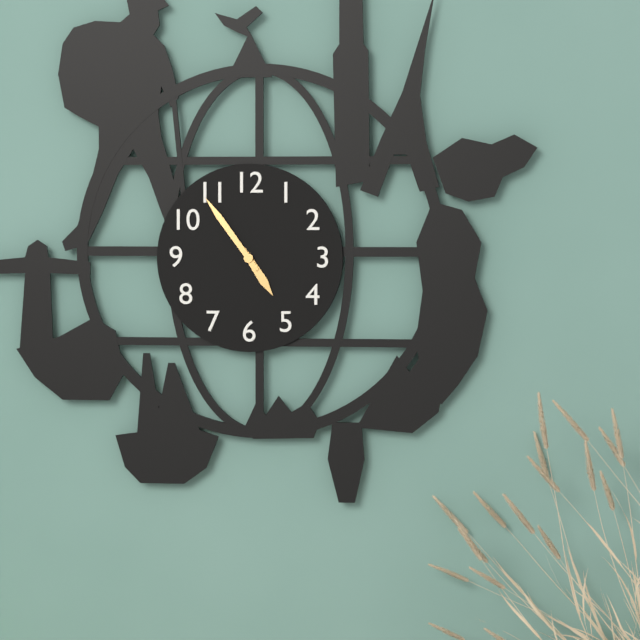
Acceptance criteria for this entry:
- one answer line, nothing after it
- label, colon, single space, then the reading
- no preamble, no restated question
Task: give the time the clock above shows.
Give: 4:54
